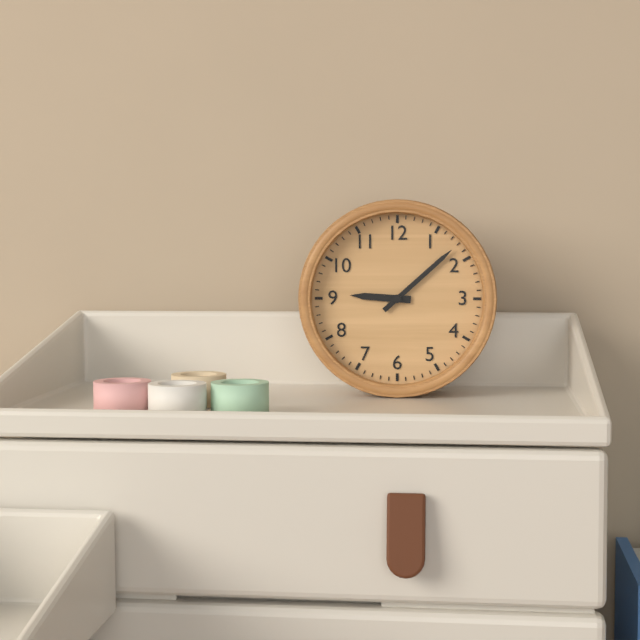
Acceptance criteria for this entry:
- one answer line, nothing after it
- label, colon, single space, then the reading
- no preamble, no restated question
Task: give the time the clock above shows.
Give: 9:08
